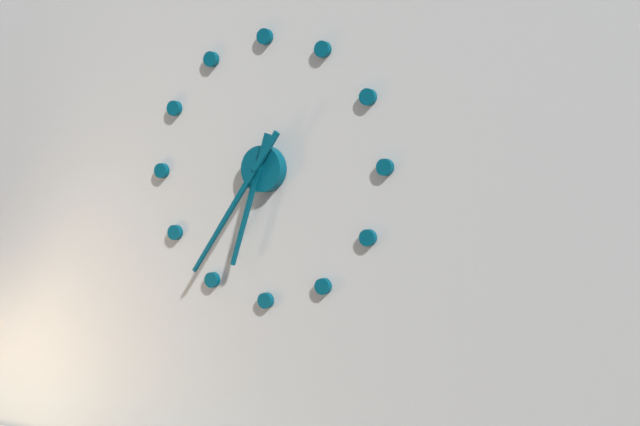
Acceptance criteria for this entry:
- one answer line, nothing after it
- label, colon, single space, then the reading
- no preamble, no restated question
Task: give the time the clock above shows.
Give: 6:36
